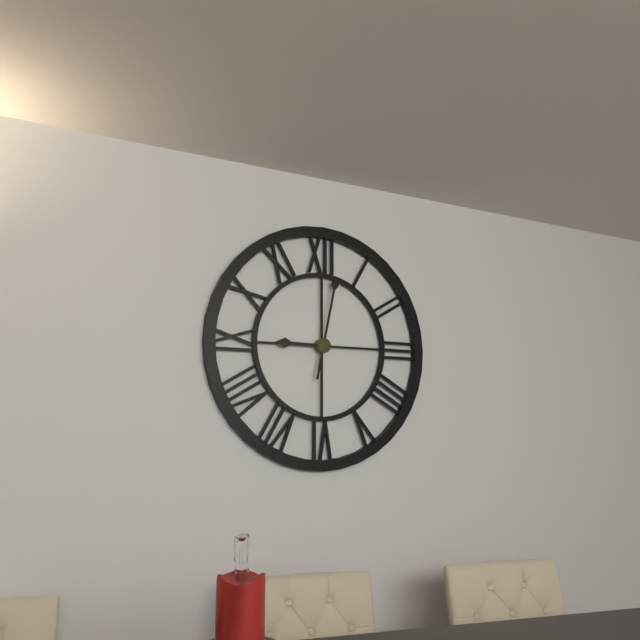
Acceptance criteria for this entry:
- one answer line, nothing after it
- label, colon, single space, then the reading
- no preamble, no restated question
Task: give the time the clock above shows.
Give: 9:02
